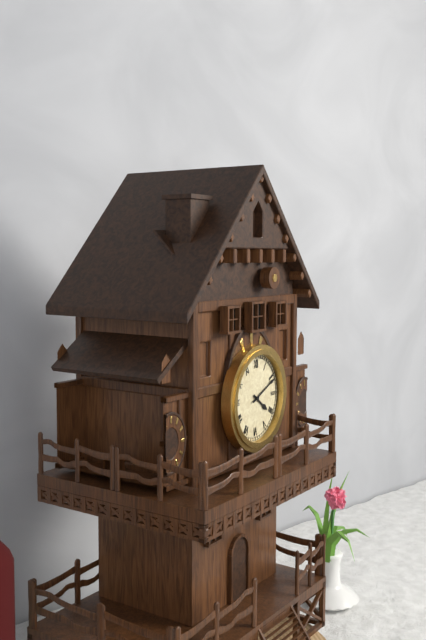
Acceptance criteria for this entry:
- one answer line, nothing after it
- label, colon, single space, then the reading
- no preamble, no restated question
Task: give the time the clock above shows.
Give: 4:11
